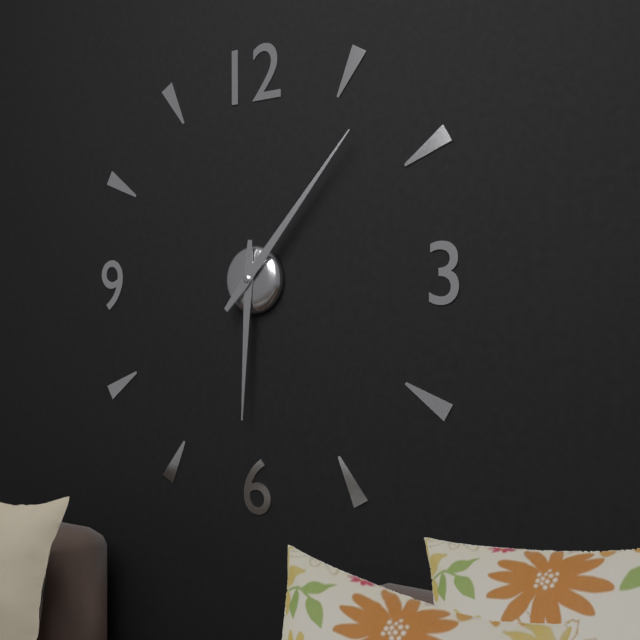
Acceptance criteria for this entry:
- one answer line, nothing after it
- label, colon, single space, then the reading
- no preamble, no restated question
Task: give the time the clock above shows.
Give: 6:07
